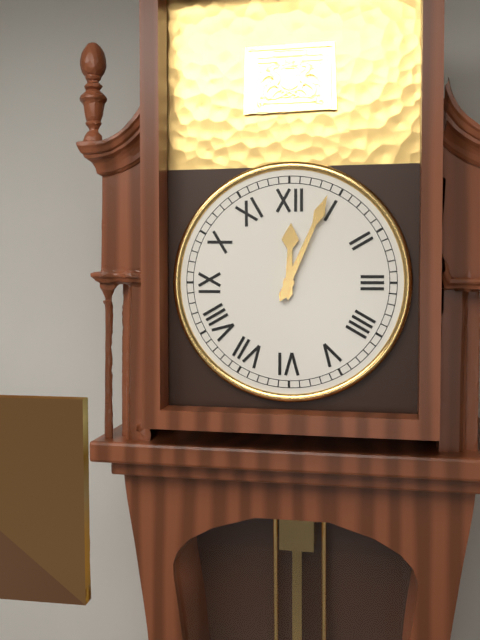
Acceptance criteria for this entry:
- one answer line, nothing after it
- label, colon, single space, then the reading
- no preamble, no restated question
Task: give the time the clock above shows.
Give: 12:04
